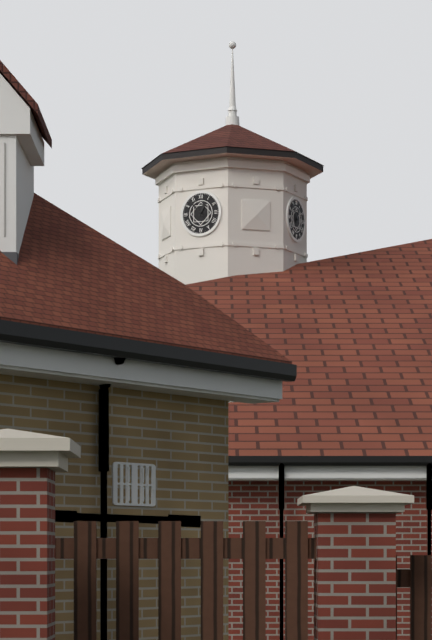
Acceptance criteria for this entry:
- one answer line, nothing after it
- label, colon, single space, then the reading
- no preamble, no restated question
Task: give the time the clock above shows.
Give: 12:53
